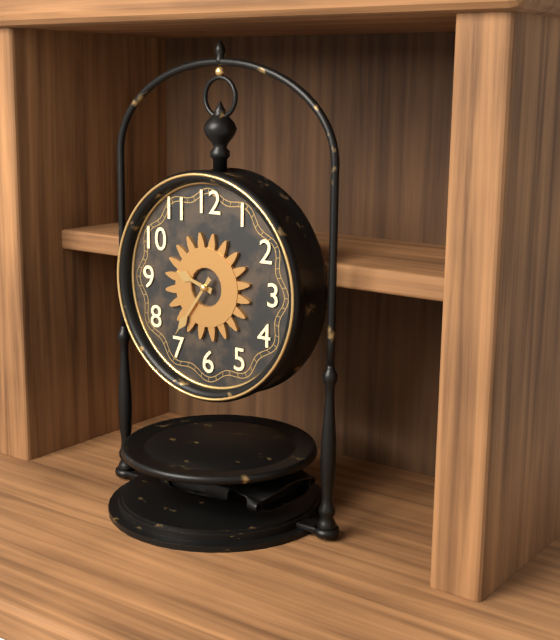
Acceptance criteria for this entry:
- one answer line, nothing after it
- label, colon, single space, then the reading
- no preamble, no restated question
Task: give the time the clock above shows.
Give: 9:36
